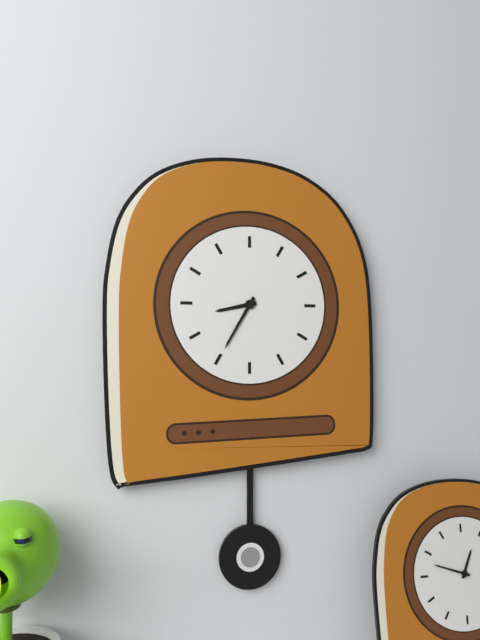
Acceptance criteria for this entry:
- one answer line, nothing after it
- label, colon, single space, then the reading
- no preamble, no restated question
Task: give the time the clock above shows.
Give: 8:35
